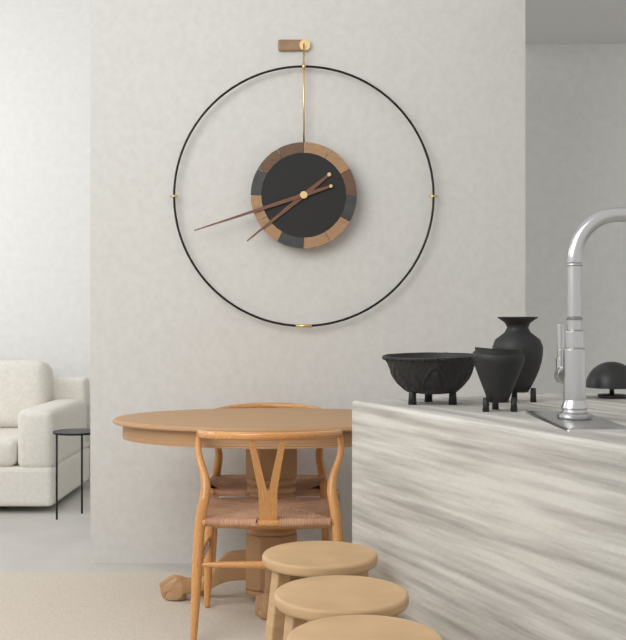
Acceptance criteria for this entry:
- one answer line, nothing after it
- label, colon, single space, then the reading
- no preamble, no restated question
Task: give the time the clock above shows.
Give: 7:42
